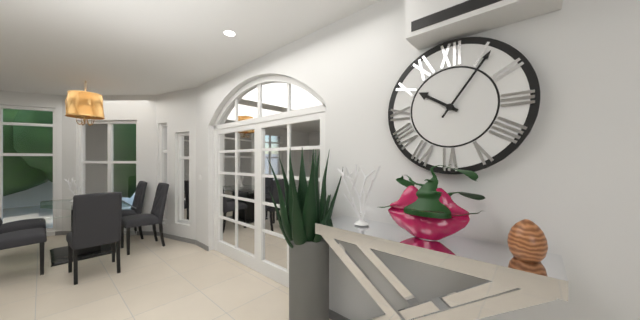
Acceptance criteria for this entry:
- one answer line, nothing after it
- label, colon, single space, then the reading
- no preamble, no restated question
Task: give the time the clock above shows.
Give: 10:06
